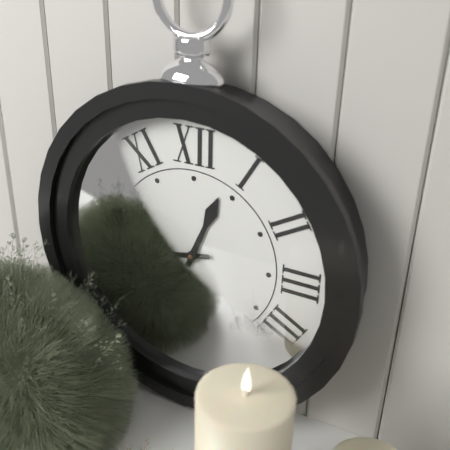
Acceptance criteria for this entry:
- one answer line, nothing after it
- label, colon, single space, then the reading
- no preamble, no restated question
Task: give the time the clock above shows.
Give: 12:43
